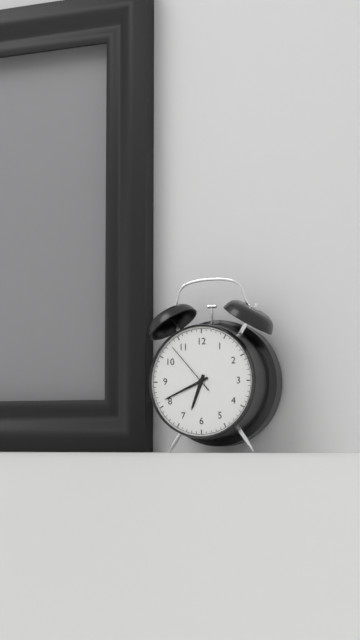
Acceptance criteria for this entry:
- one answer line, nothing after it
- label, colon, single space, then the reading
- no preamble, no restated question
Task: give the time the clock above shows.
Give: 6:41:53
